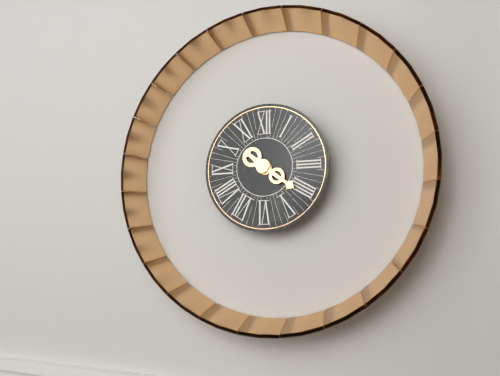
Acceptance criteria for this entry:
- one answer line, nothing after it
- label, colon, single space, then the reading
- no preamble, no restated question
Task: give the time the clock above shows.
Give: 10:21
